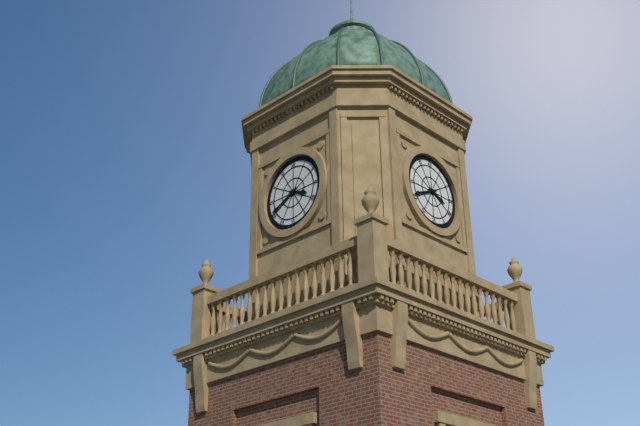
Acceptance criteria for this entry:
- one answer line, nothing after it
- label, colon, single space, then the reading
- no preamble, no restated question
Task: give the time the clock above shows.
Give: 3:41
